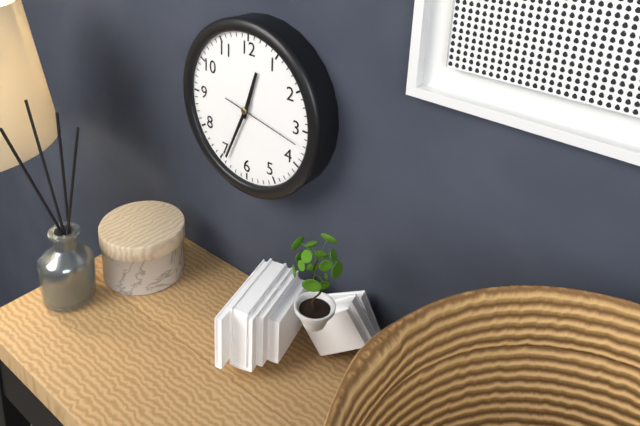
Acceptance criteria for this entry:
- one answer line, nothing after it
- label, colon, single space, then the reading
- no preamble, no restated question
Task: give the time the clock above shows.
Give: 12:34:17
